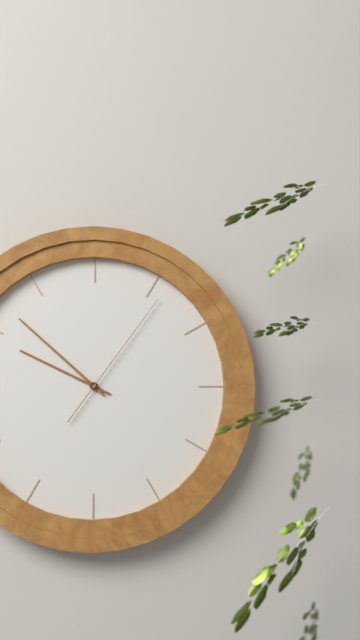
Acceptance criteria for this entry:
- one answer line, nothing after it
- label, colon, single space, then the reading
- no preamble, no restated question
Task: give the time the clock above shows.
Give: 9:52:06
